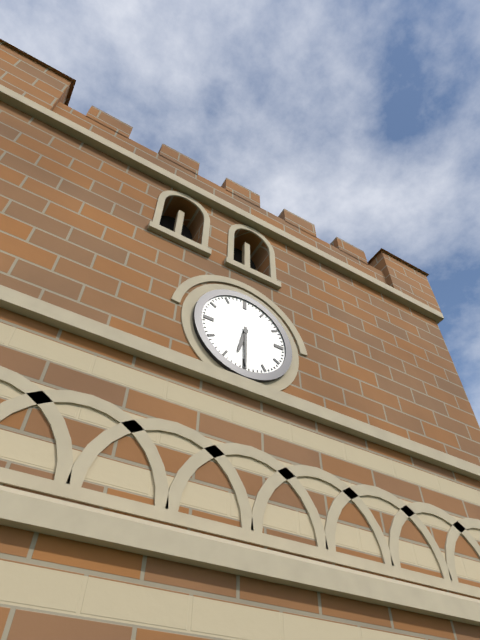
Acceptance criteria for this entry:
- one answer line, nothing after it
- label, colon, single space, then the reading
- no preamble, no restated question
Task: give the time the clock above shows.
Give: 6:30
